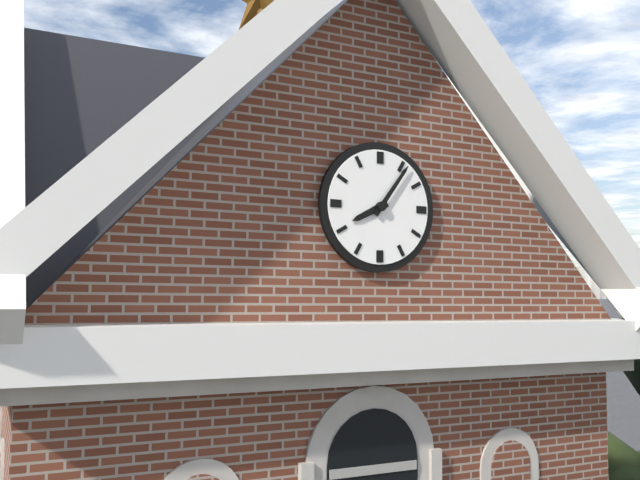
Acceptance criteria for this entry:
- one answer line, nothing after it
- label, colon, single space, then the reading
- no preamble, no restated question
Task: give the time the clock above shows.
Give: 8:06
